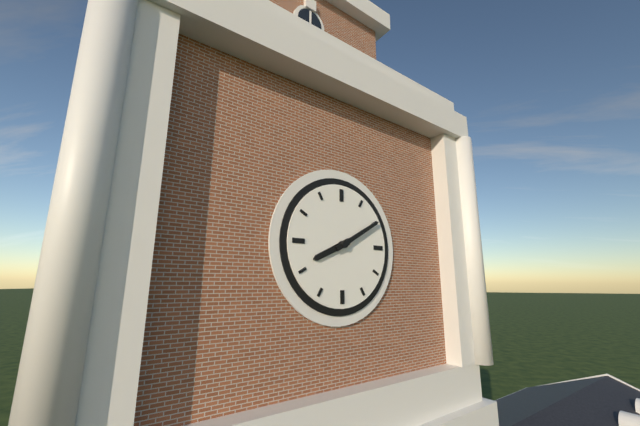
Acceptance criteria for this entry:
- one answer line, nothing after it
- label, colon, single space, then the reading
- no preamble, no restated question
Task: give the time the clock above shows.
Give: 8:10
